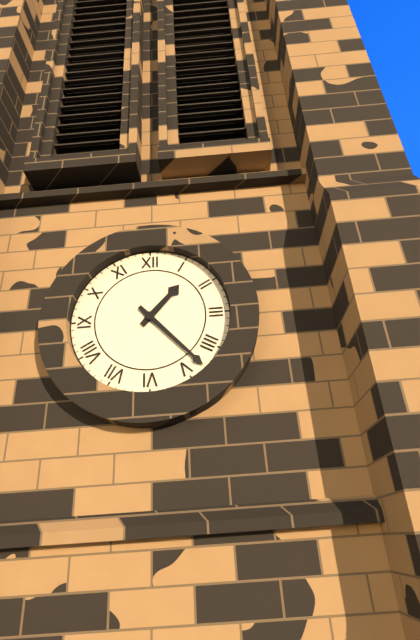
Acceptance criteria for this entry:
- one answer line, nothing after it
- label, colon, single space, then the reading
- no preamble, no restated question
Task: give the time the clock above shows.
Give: 1:23
